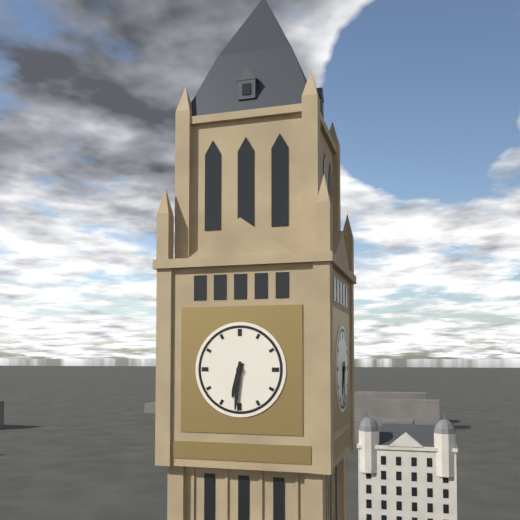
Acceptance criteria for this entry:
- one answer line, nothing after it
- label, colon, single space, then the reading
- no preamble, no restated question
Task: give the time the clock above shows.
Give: 6:31
